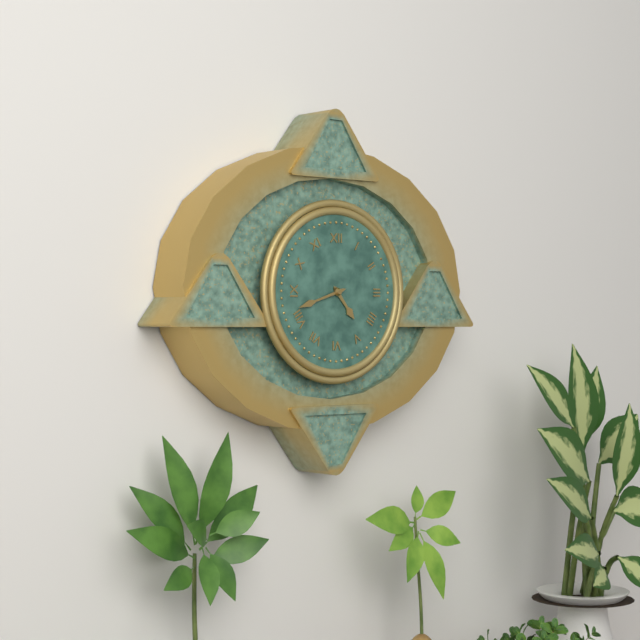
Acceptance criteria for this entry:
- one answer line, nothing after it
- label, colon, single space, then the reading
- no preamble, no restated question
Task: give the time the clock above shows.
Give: 4:42
